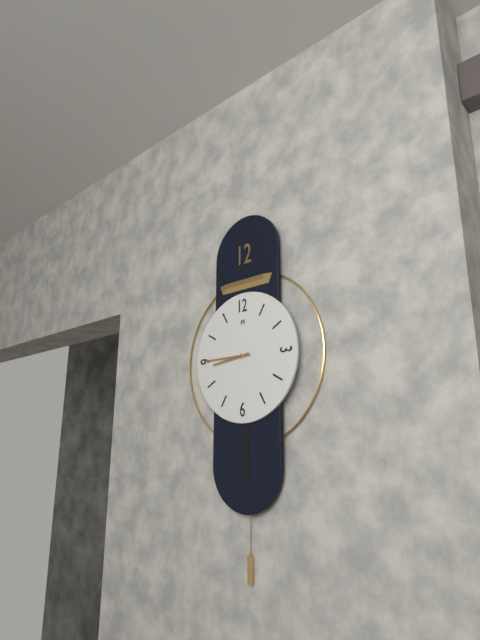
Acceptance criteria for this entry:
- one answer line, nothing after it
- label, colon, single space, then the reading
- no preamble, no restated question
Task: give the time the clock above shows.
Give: 8:45
